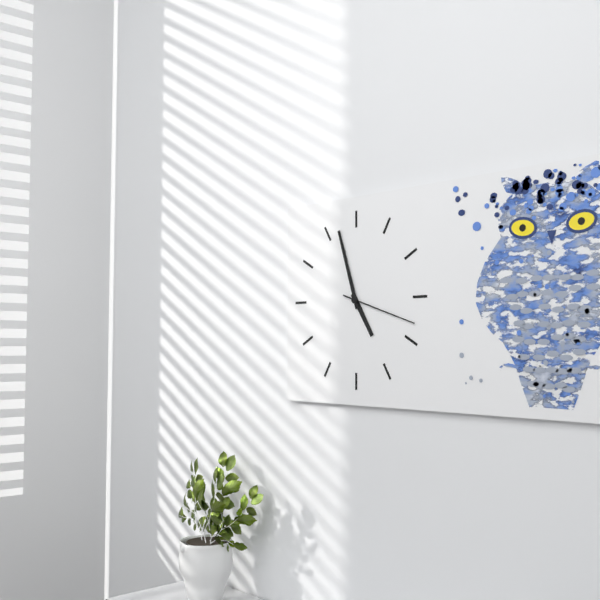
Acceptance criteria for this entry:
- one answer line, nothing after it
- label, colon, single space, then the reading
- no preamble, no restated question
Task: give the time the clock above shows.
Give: 4:57:18
